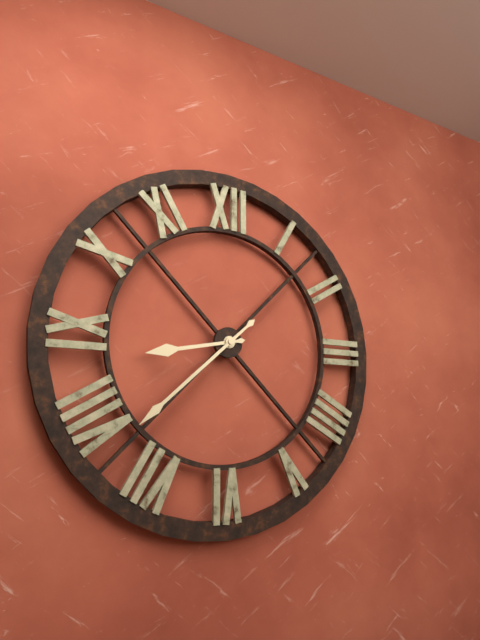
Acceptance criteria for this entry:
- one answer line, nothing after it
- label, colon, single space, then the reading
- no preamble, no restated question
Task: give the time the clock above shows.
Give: 8:38
